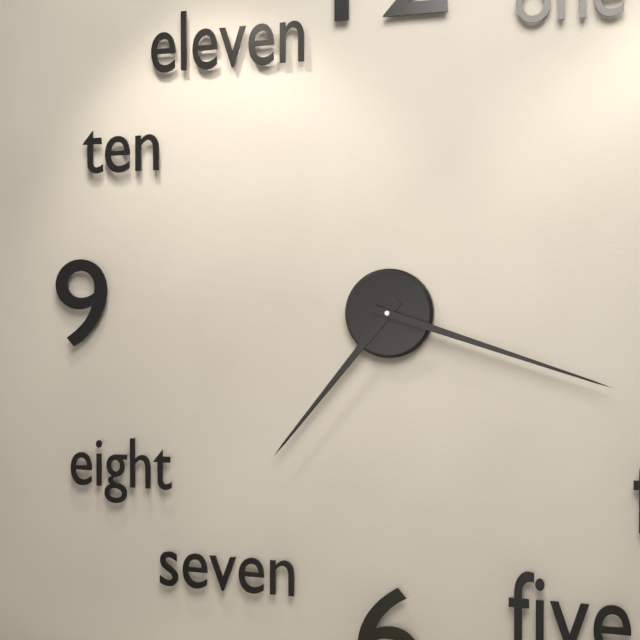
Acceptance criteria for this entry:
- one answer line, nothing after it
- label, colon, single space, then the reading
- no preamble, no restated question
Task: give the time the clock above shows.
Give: 7:18
